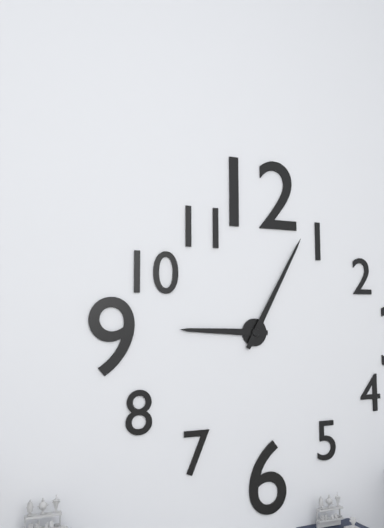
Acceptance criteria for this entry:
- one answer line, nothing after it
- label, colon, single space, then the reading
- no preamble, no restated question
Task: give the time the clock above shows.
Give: 9:05
